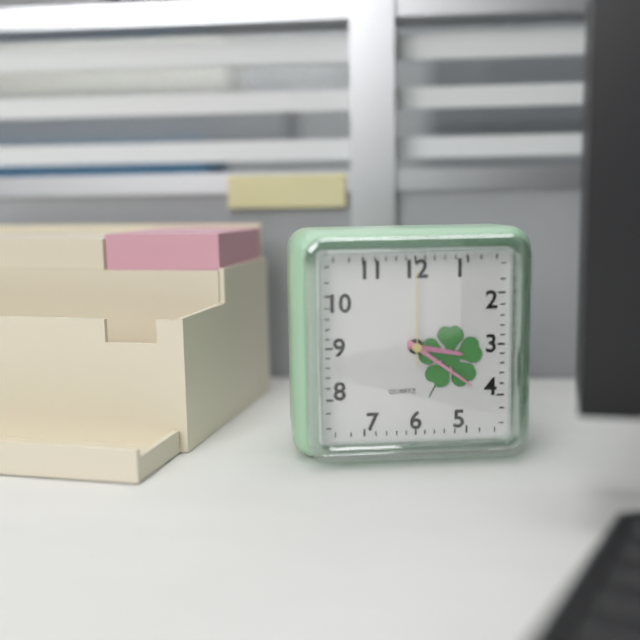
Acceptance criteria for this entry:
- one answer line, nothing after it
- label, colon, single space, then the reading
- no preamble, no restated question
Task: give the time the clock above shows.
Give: 3:21:00
